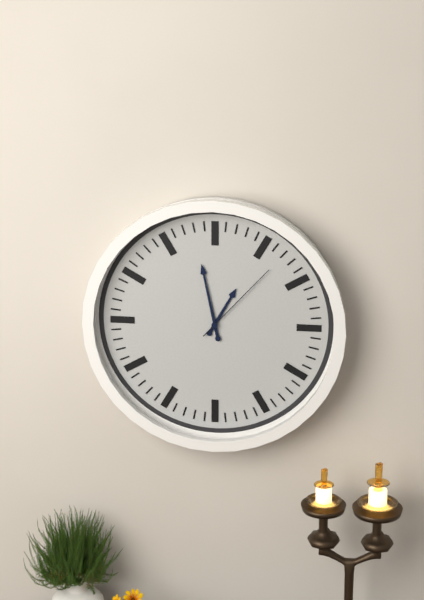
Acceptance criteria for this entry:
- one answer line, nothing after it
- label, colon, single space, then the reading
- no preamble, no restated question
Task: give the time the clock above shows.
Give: 12:58:07
